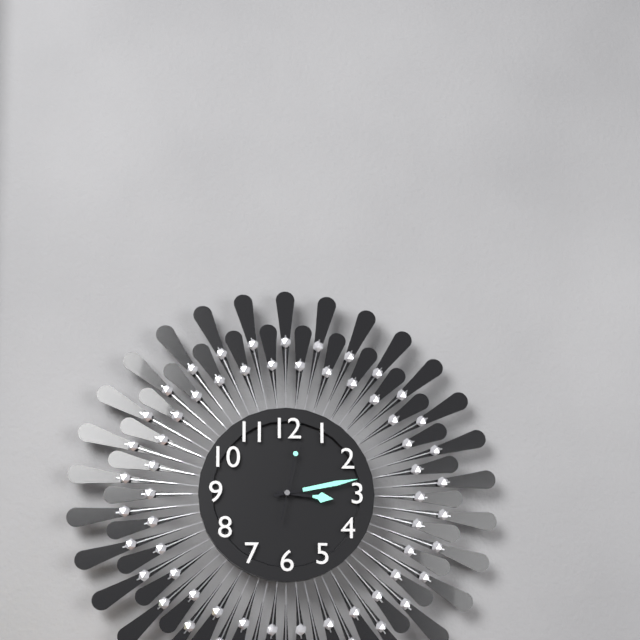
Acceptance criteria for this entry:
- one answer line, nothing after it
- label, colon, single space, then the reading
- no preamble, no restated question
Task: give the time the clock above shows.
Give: 3:13:02
